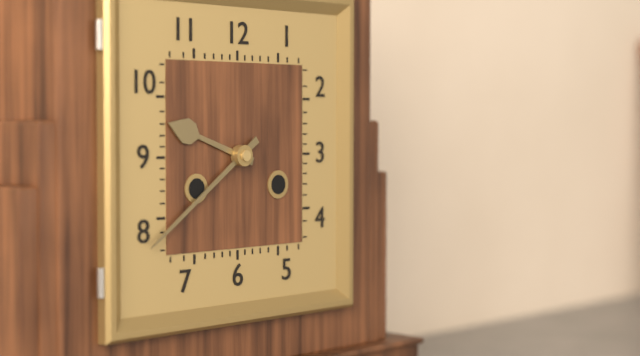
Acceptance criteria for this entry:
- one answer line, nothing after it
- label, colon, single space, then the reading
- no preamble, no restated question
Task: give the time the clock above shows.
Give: 9:39
